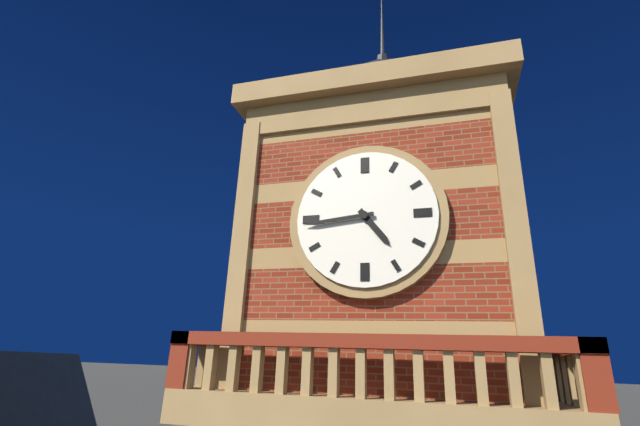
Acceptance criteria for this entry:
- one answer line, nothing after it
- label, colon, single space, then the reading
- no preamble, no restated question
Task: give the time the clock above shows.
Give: 4:44
